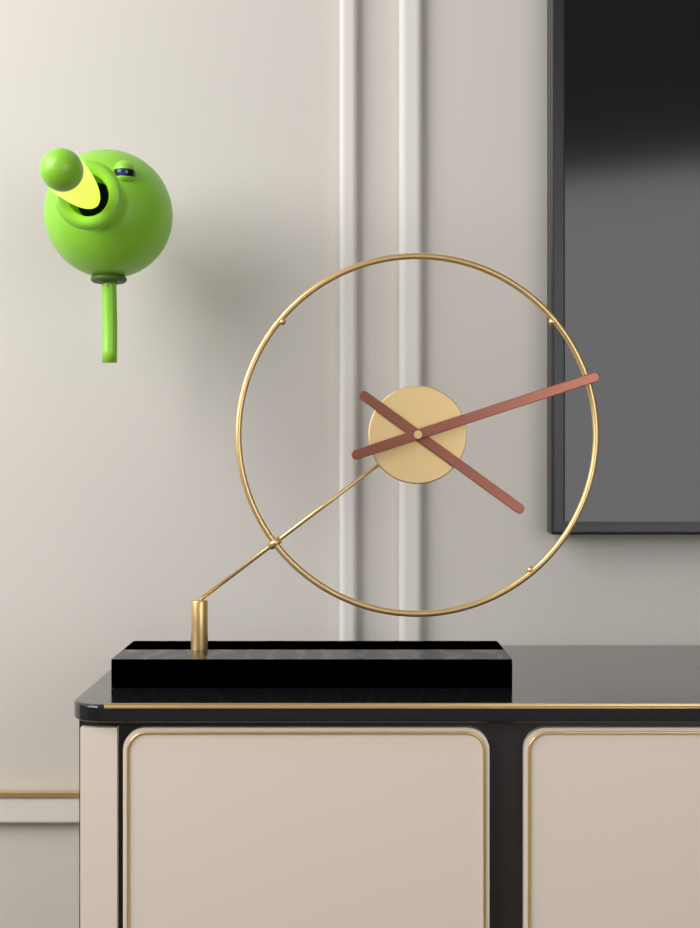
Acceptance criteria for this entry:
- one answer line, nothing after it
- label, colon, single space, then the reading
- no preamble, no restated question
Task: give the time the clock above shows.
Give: 4:12
